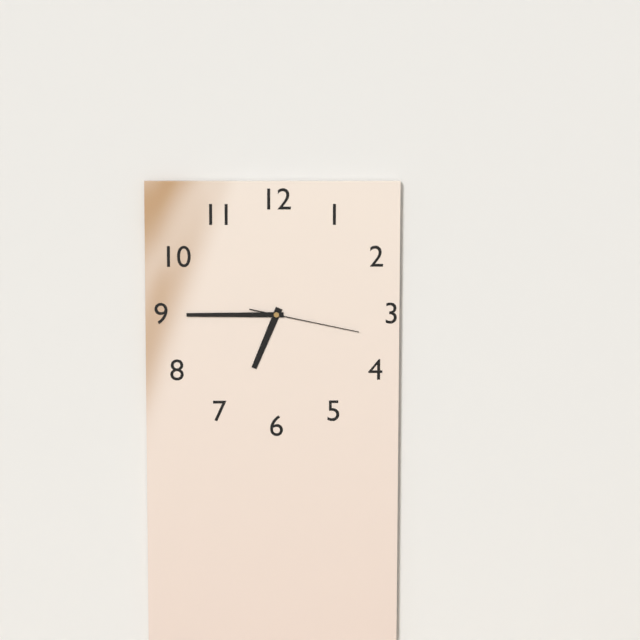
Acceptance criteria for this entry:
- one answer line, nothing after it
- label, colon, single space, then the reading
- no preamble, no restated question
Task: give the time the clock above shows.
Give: 6:45:17
